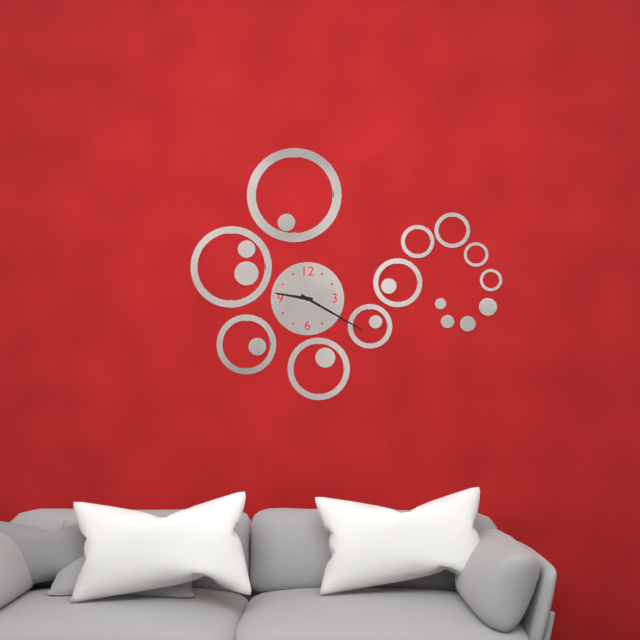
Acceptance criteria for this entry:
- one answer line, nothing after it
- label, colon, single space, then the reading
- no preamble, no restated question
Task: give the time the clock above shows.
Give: 9:20
